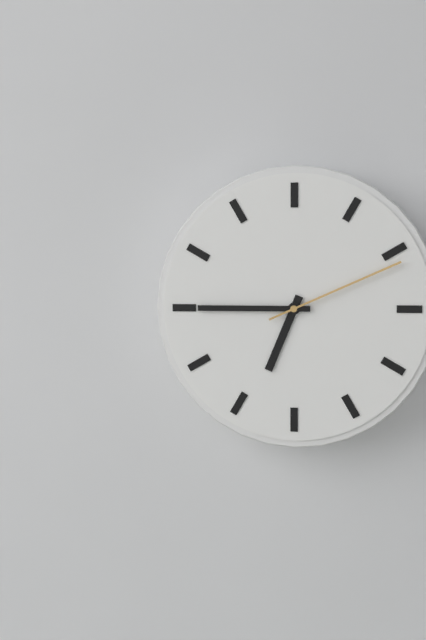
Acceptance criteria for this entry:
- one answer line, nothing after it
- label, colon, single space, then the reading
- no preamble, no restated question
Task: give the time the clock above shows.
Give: 6:45:11
